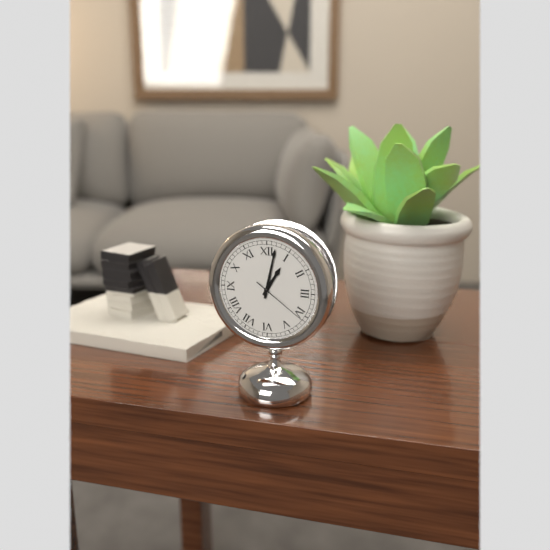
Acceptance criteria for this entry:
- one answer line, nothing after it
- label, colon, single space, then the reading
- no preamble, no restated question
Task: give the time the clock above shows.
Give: 1:02:21
